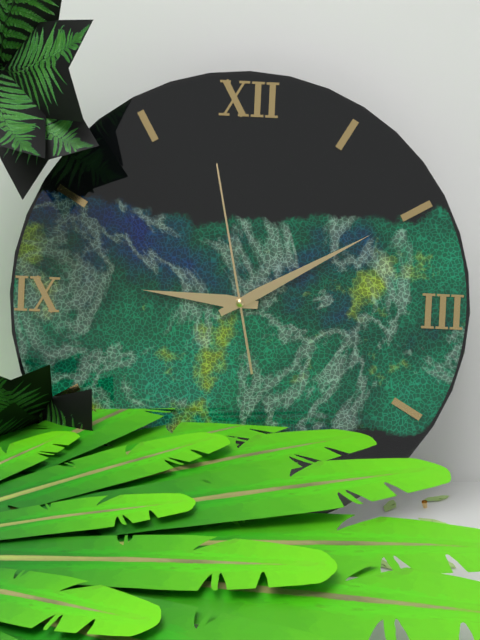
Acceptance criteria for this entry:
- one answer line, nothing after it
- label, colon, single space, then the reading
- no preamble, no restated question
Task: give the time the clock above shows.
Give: 9:10:58
